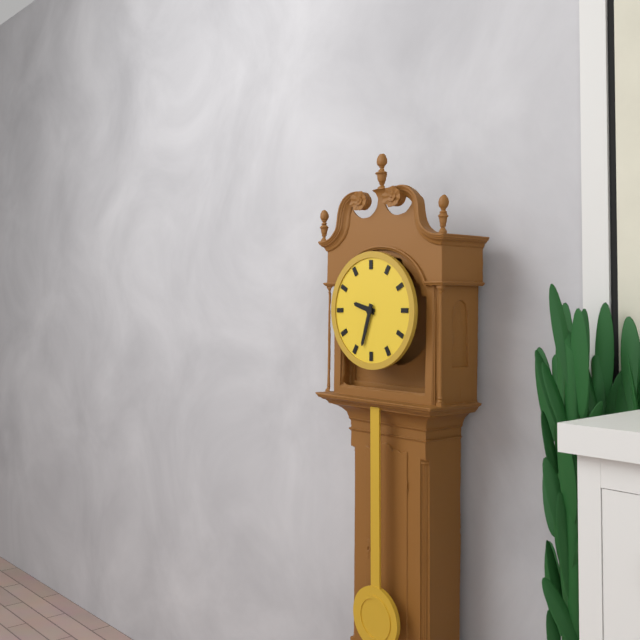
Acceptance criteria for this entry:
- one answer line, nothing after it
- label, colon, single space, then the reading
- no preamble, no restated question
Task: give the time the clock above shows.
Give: 9:33
